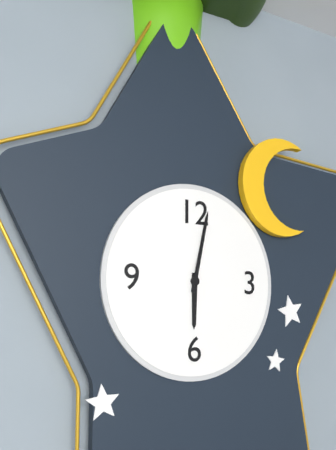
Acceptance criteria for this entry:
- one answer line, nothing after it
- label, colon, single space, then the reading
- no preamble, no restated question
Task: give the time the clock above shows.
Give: 6:02
